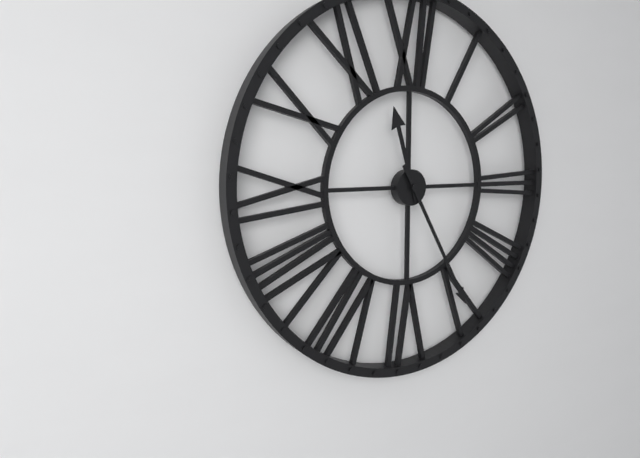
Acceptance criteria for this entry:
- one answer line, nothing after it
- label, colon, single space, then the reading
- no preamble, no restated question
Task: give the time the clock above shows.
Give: 11:25
